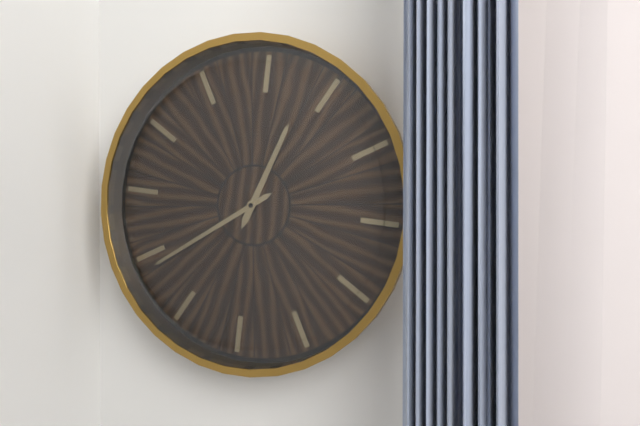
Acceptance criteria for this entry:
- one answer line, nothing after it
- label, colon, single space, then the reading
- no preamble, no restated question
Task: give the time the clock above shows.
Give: 12:39
